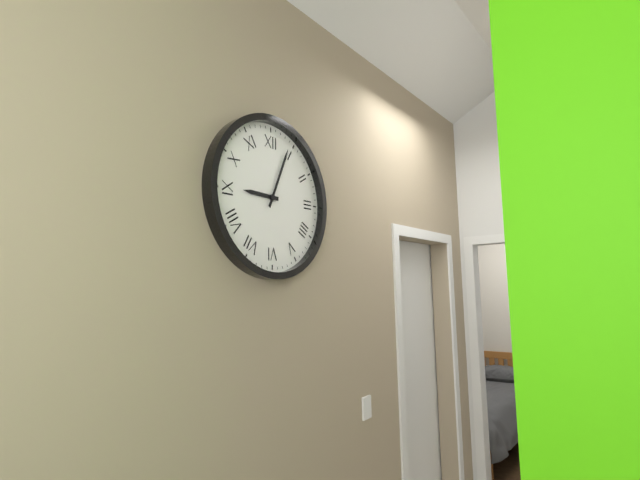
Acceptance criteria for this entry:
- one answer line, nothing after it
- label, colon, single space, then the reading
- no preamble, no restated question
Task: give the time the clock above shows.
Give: 9:04
